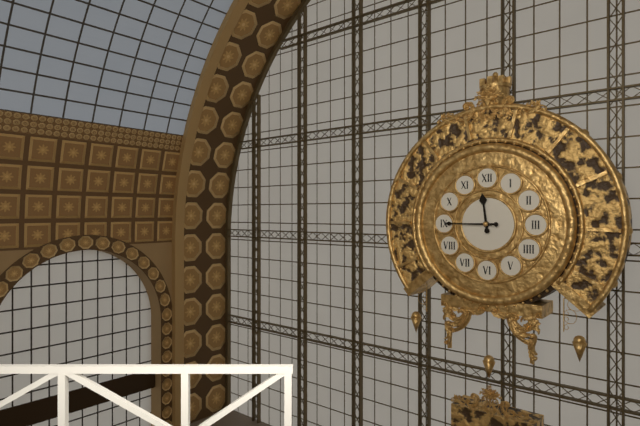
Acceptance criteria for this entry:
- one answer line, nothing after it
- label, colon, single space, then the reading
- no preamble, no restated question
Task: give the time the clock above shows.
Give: 11:45
